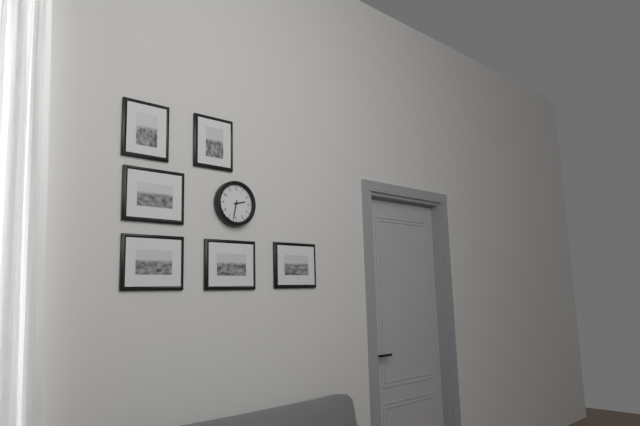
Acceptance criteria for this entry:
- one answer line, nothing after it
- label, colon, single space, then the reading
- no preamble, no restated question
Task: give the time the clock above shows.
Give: 2:32
